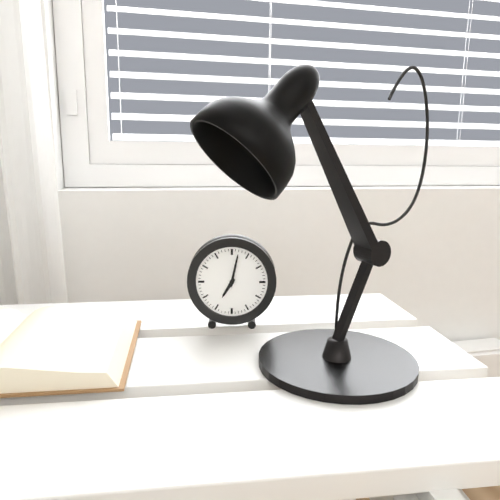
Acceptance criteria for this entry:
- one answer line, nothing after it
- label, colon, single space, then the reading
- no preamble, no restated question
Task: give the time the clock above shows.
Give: 7:02
